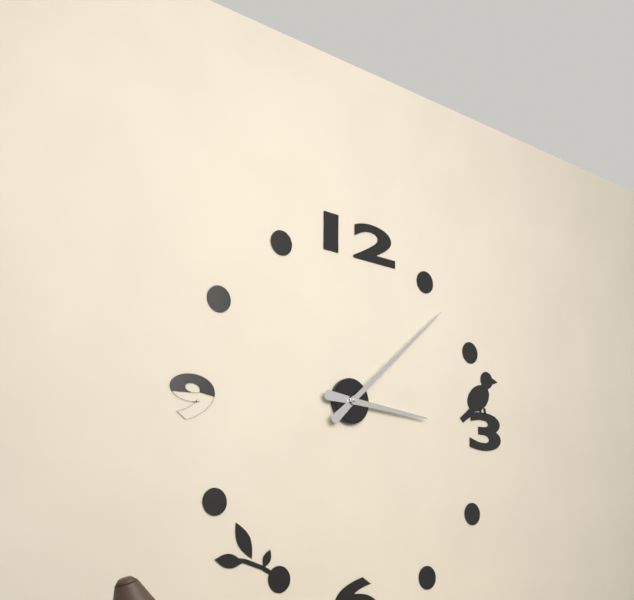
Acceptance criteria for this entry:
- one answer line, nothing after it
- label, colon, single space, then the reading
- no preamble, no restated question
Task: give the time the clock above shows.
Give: 3:08
